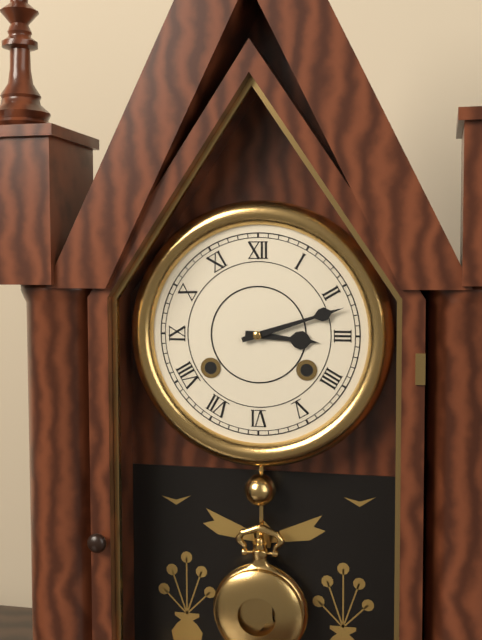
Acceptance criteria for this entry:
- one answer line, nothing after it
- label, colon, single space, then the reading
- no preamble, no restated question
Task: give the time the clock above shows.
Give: 3:12
